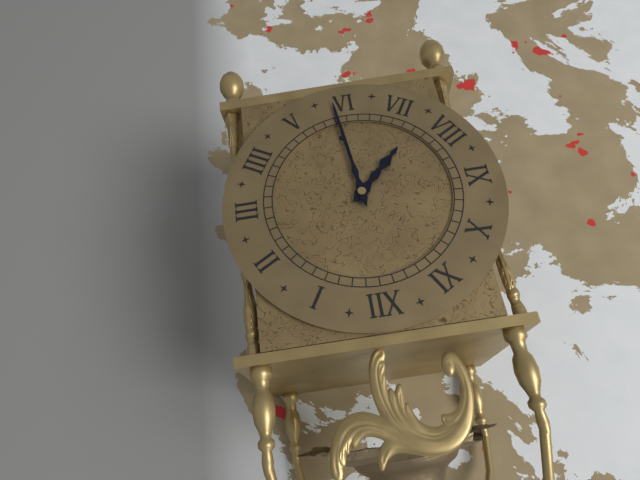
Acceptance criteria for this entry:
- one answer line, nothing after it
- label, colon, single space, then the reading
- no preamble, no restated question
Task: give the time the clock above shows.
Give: 7:29
